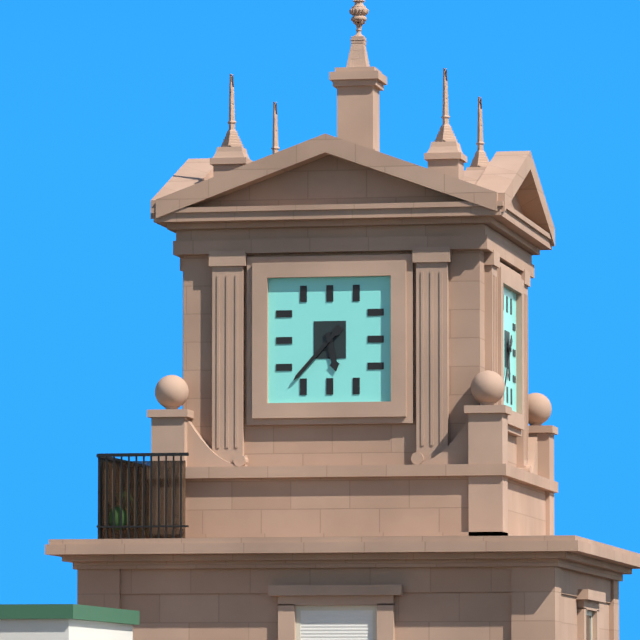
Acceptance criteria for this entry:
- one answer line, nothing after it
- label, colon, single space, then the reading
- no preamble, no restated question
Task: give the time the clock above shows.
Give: 5:37
